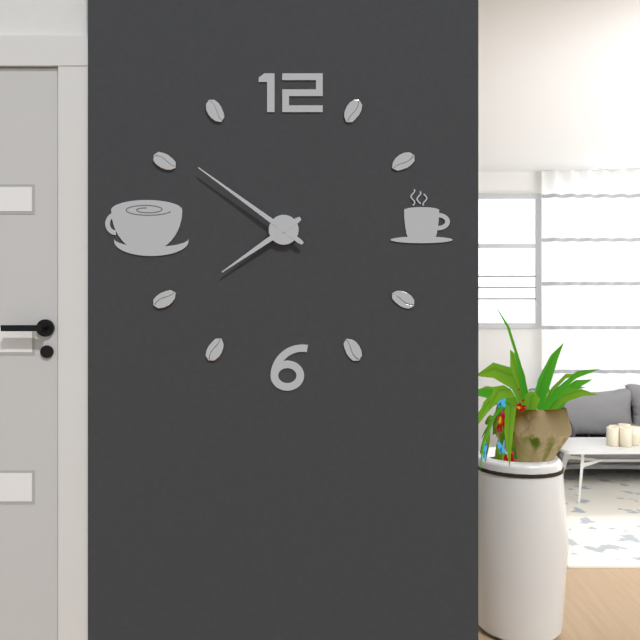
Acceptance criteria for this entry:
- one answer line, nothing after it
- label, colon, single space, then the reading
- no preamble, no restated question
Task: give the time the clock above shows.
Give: 7:51
